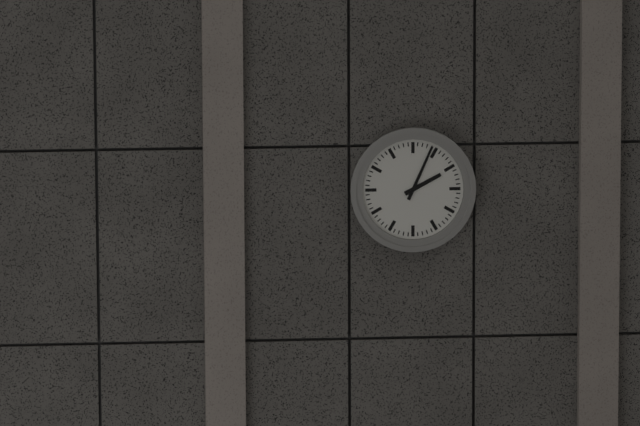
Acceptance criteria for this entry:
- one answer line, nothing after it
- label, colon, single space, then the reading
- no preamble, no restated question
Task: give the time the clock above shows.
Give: 2:04
